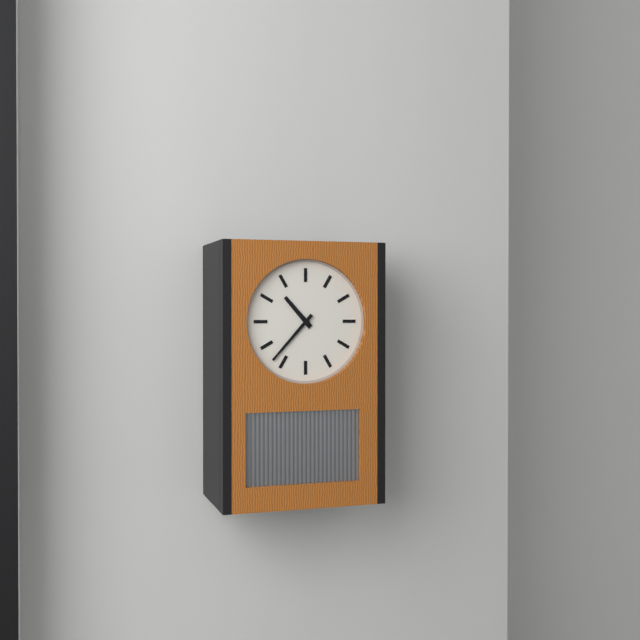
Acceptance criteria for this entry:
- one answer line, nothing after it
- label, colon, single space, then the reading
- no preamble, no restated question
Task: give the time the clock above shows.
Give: 10:37
